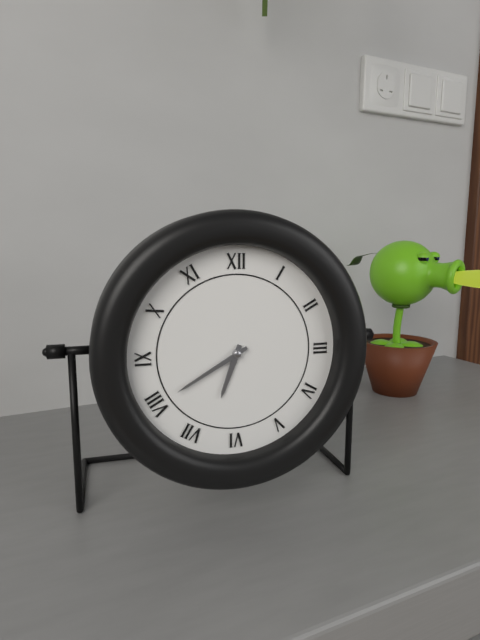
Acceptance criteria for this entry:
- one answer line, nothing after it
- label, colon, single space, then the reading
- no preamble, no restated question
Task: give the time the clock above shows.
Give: 6:40
